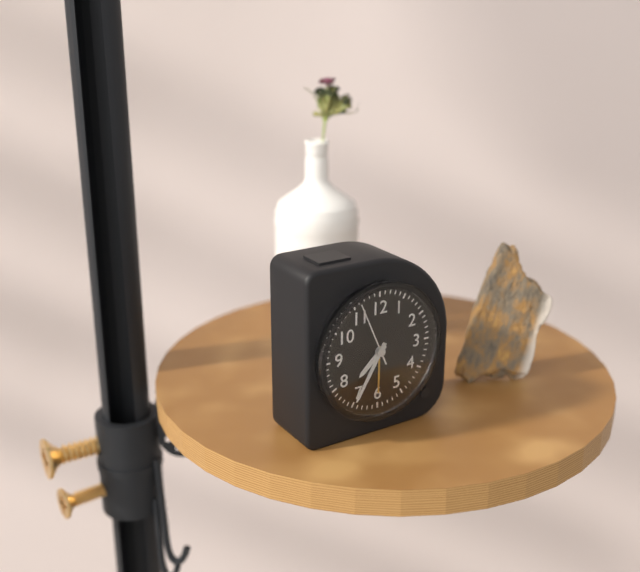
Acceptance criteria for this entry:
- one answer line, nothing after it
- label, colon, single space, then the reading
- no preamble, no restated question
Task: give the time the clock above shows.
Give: 7:35:56
